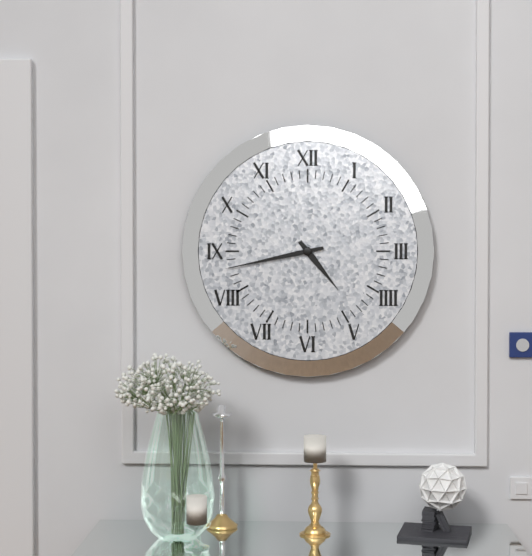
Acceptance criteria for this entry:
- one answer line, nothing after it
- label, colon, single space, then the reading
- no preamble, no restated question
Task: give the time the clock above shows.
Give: 4:43
